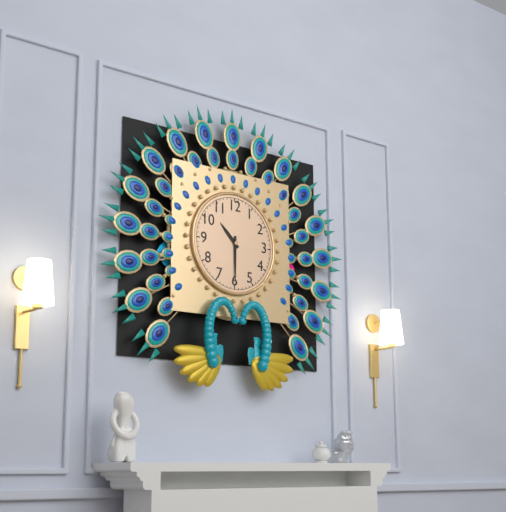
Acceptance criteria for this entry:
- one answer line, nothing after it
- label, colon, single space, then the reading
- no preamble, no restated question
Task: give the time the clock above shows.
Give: 10:30
